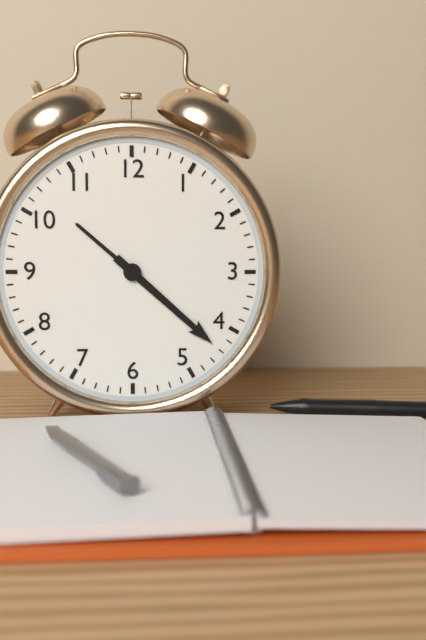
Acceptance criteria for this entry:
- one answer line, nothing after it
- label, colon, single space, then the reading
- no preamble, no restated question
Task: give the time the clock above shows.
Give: 10:22
